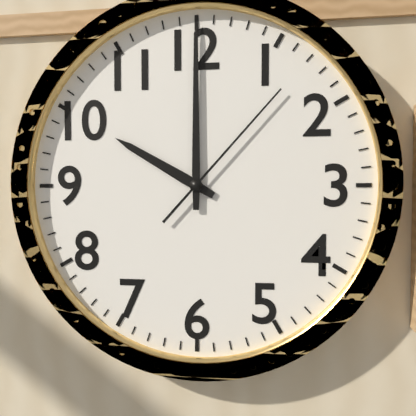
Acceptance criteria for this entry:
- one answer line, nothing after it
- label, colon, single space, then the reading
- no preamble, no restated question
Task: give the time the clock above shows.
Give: 10:00:07
